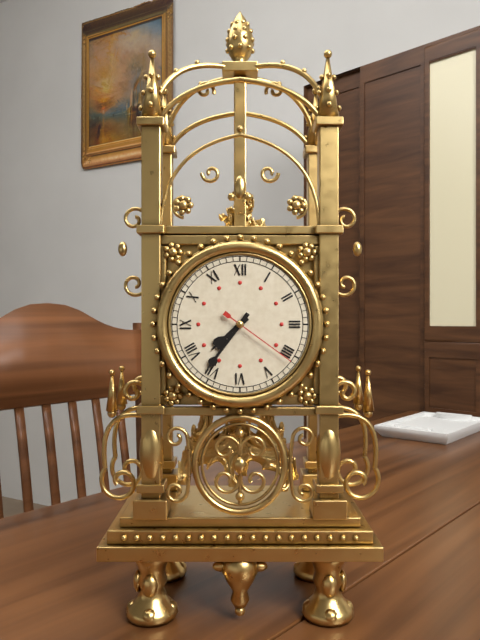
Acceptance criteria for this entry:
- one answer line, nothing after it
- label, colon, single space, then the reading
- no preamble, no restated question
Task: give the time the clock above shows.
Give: 7:36:21
